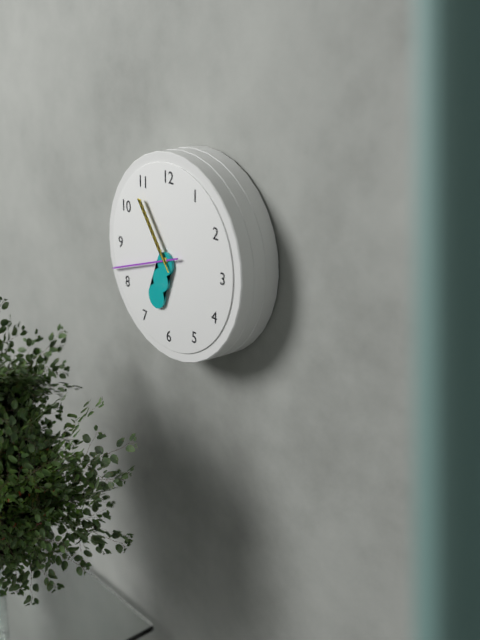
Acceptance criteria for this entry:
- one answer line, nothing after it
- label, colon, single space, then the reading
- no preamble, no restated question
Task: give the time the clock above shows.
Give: 6:42:54
